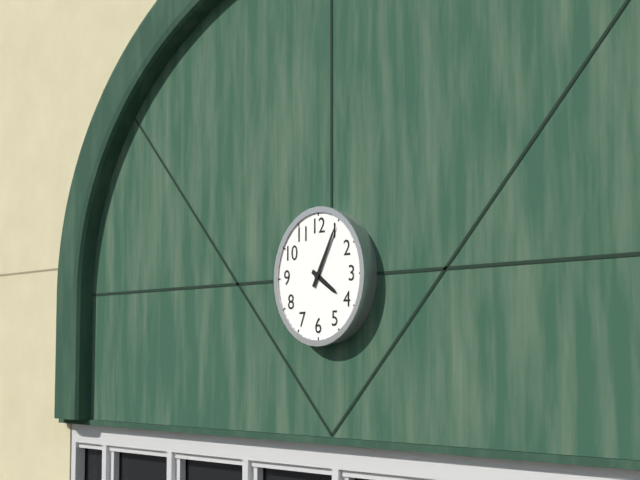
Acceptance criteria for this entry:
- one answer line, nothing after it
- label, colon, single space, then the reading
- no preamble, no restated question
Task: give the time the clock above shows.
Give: 4:05
